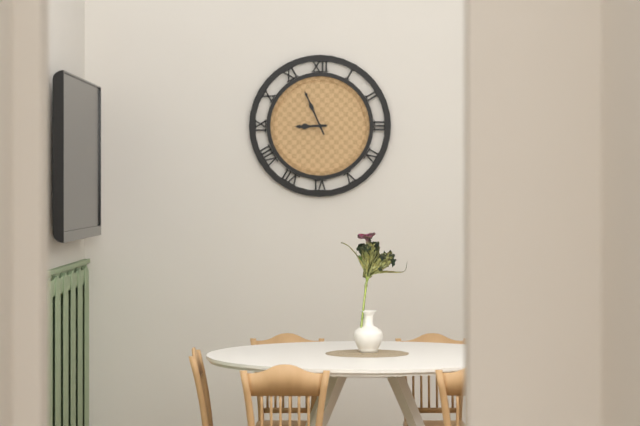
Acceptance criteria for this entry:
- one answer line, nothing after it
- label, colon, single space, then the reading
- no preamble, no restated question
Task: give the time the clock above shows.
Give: 8:56
